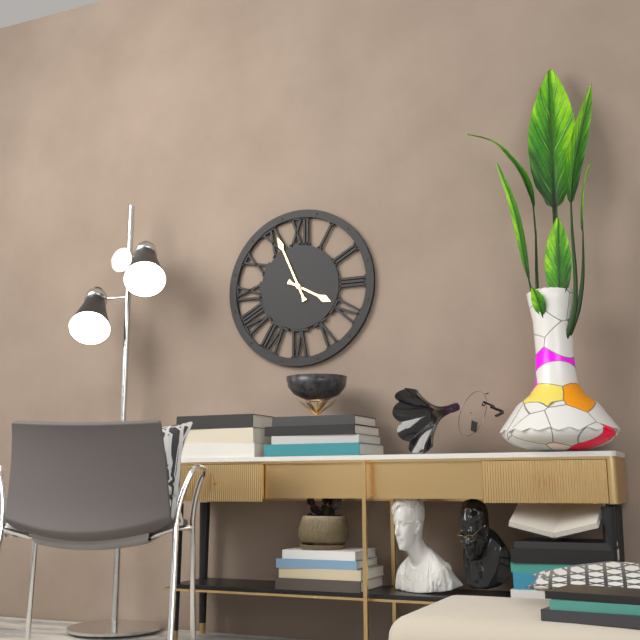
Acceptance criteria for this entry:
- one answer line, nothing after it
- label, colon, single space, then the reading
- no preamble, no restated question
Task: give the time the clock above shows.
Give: 3:56
